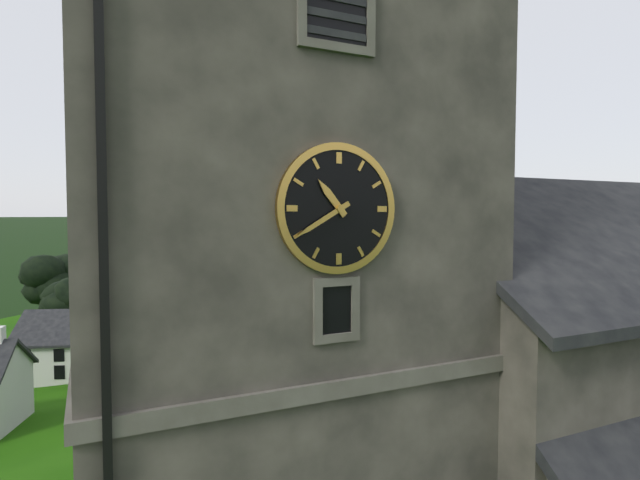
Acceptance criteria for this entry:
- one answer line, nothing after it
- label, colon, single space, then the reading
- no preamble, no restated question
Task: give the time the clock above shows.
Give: 10:40
